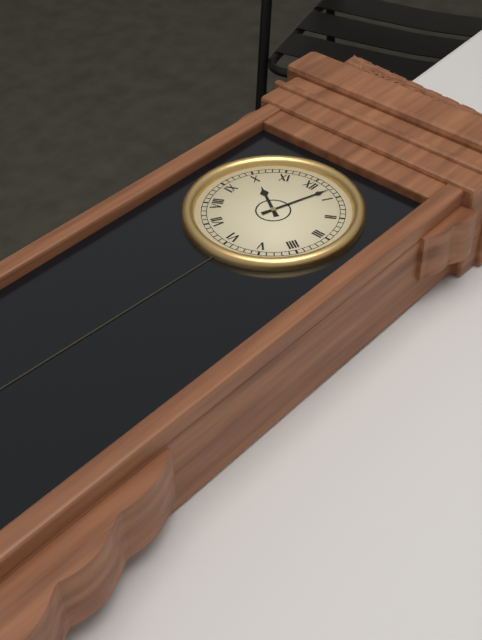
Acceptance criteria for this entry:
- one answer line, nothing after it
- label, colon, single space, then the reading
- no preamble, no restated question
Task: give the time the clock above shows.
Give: 10:03
